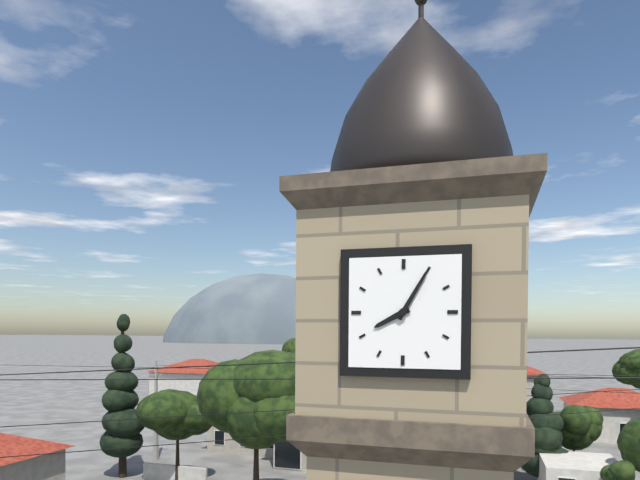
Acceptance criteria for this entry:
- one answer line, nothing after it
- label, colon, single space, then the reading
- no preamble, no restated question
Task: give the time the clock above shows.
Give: 8:05
